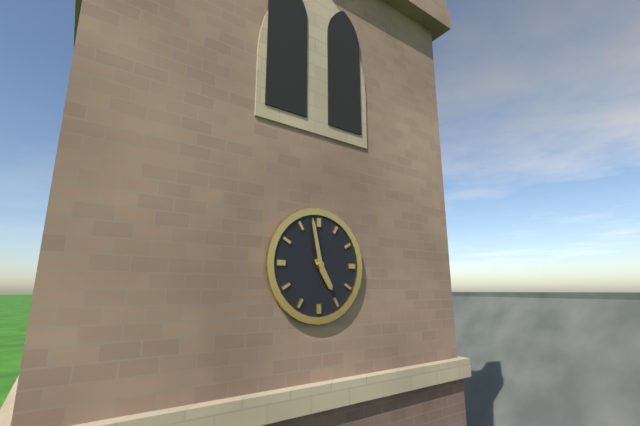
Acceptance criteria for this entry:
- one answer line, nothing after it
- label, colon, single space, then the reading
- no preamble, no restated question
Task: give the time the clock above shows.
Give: 4:58
